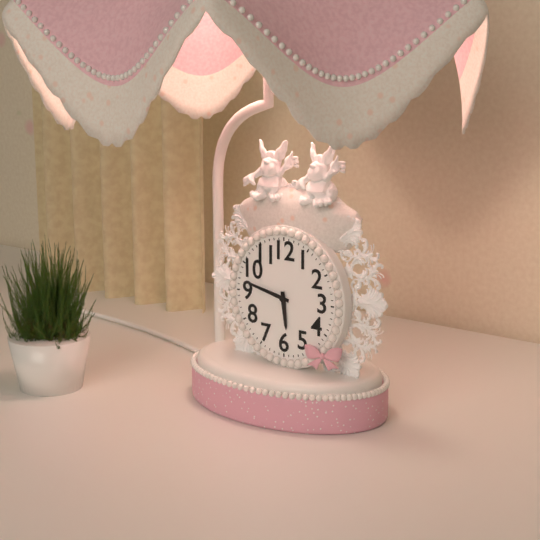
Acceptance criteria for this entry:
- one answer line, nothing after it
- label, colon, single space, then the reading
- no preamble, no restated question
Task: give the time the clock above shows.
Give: 5:47
